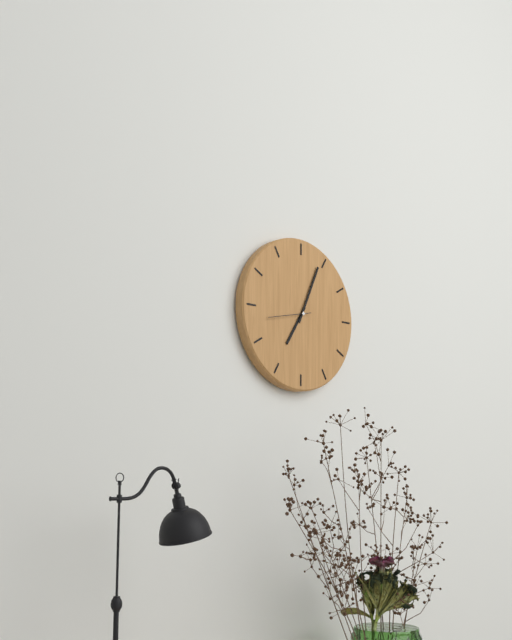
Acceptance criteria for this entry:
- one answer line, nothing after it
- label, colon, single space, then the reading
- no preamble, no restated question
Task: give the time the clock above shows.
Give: 7:04
